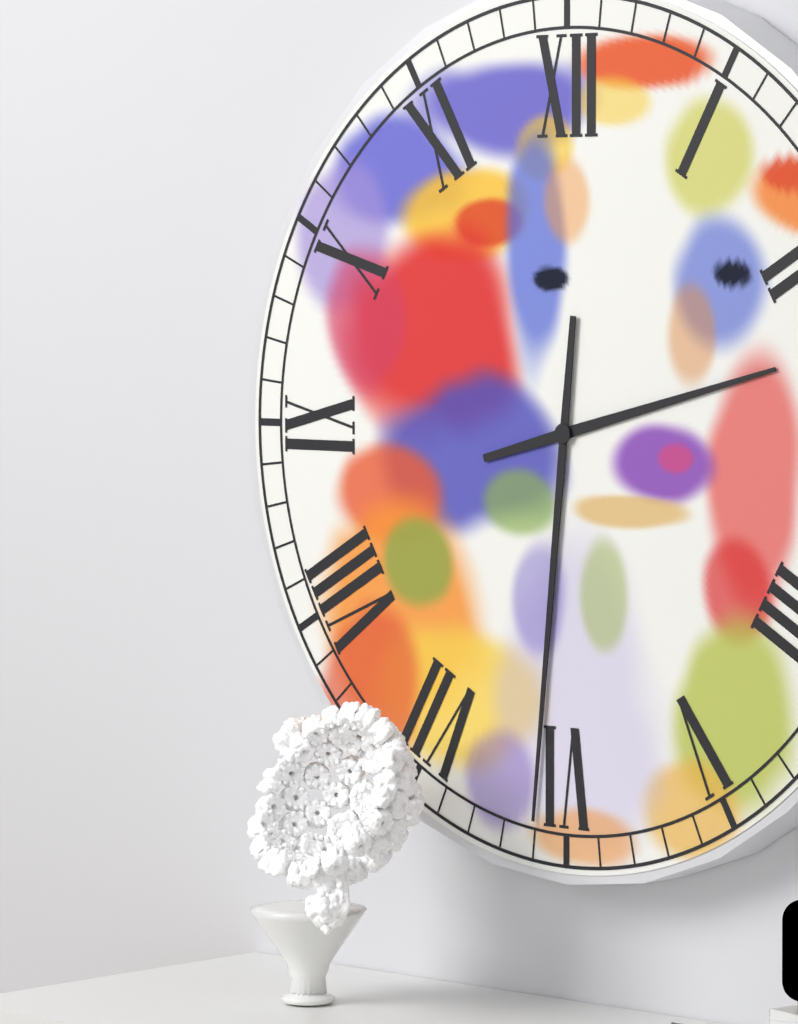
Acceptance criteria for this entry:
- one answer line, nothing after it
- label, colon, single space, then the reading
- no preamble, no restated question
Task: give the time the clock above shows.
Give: 2:31
